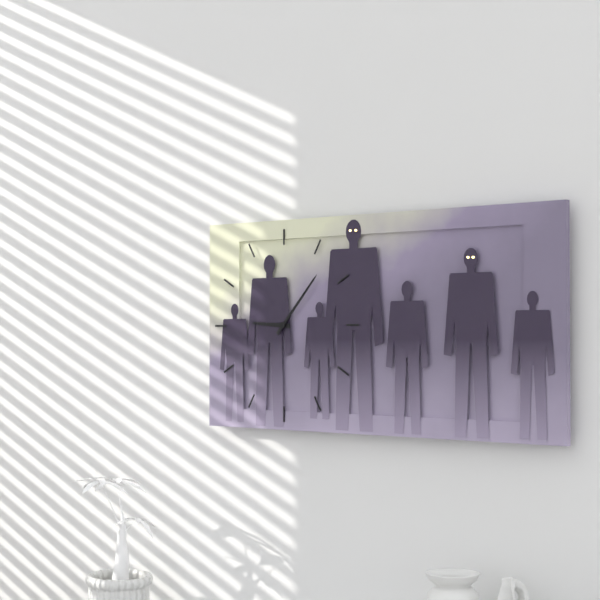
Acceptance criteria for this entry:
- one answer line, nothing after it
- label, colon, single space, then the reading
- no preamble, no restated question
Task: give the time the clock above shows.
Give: 9:07
